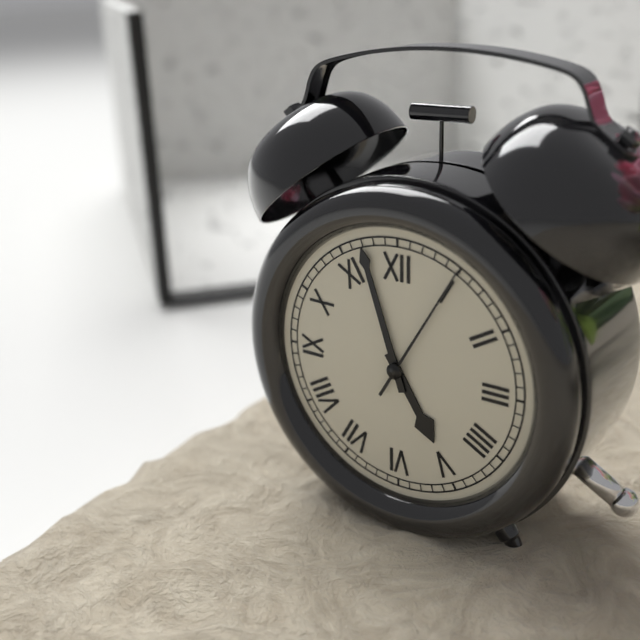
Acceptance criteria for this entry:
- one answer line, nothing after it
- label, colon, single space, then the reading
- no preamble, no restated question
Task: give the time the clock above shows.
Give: 4:57:05
